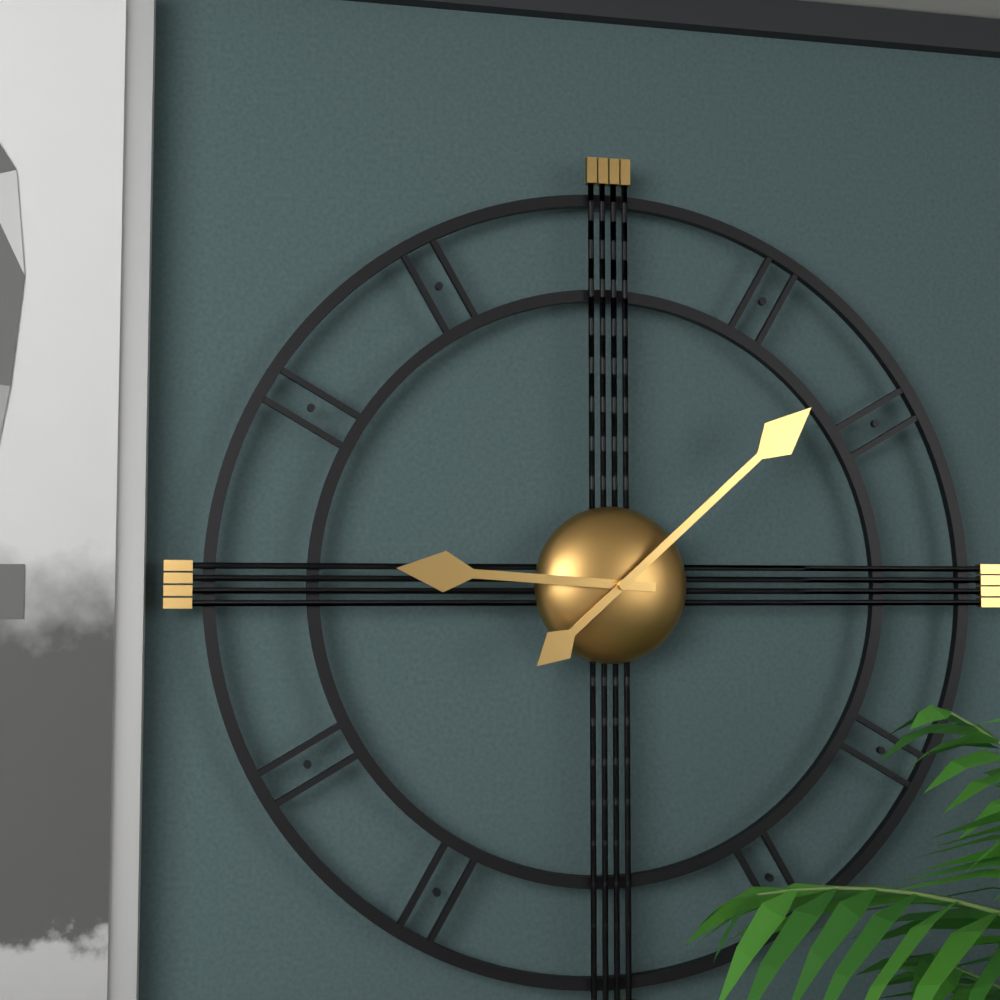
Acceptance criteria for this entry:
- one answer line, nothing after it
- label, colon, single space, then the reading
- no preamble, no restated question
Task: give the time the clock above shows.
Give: 9:08
